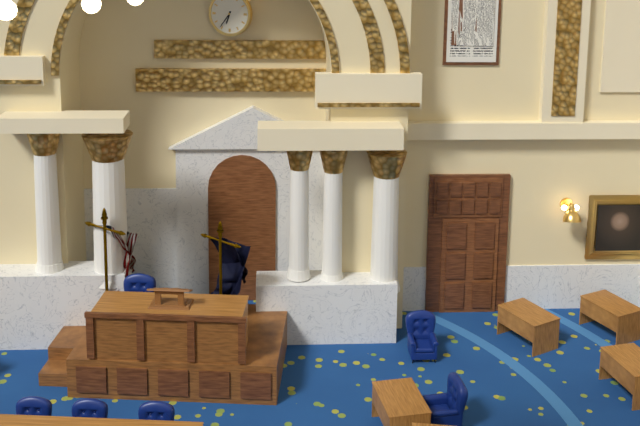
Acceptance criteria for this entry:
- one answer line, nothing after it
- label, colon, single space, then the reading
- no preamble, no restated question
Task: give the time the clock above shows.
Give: 6:36
